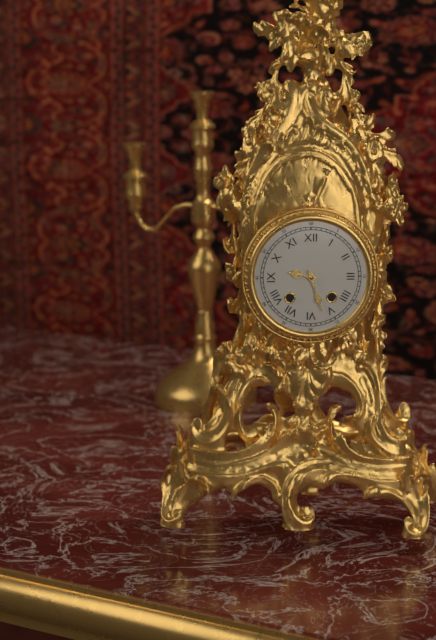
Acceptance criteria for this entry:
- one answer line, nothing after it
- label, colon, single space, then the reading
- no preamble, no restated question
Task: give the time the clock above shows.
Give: 9:27
